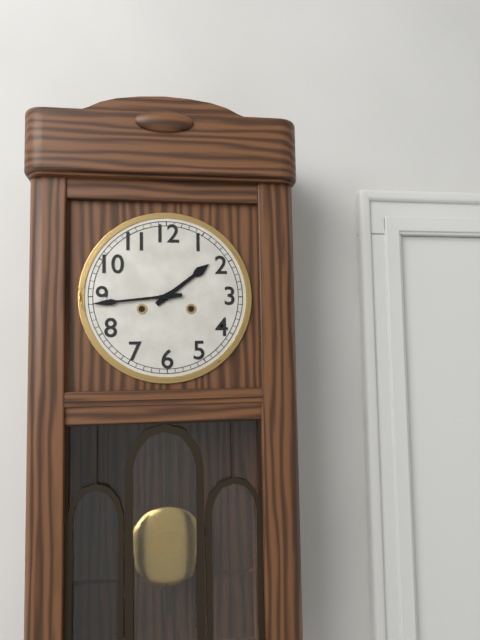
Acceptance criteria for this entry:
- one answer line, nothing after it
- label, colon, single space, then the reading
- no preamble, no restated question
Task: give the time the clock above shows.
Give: 1:44
